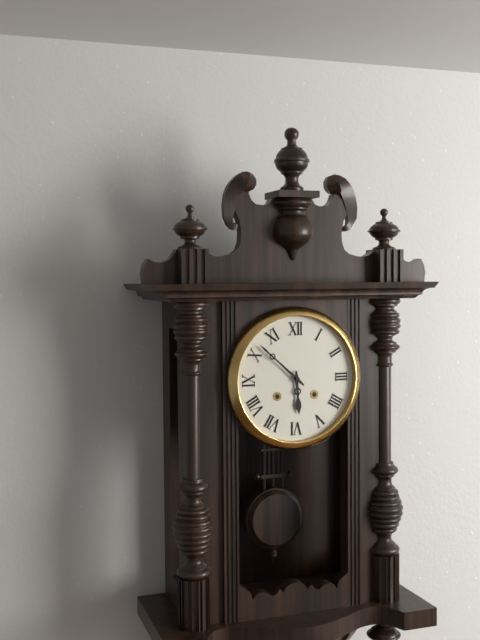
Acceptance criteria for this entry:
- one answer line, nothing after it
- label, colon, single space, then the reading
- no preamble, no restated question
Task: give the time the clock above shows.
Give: 5:52
